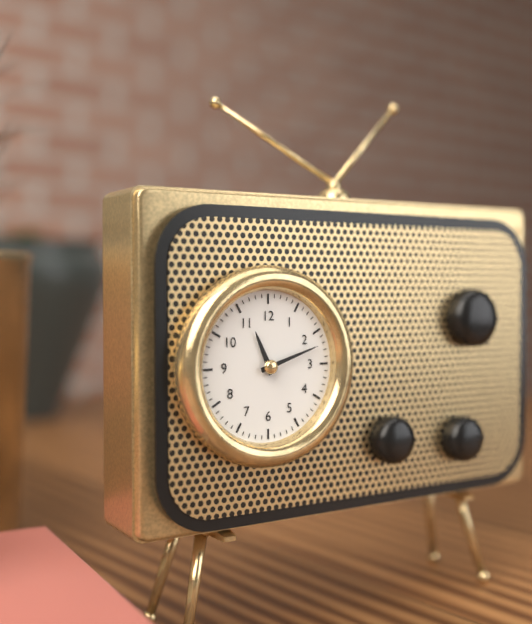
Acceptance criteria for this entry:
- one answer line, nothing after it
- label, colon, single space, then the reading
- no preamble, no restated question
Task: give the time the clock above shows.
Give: 11:12
